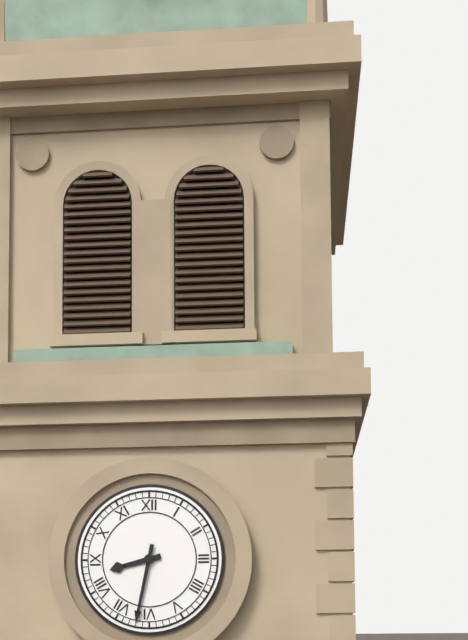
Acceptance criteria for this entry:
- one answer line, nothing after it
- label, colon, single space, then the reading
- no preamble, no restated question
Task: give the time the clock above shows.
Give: 8:32
